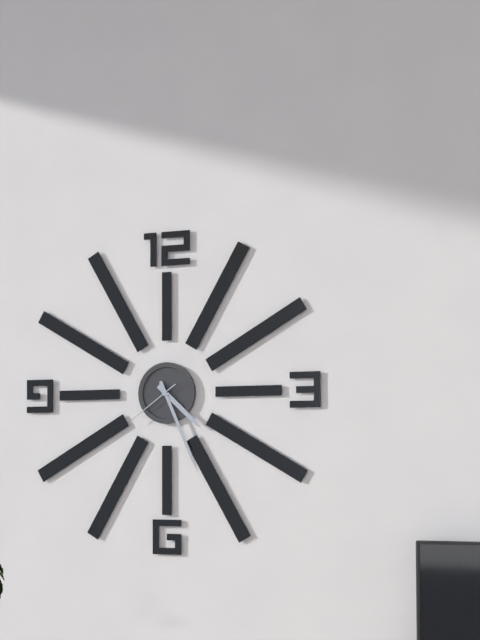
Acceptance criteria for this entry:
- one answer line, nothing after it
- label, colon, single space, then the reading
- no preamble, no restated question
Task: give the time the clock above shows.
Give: 4:26:39
